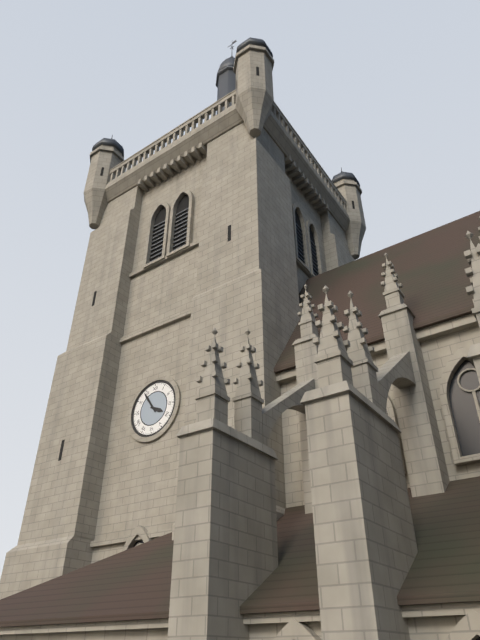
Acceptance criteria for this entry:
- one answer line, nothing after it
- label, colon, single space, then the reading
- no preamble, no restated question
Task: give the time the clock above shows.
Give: 3:54
